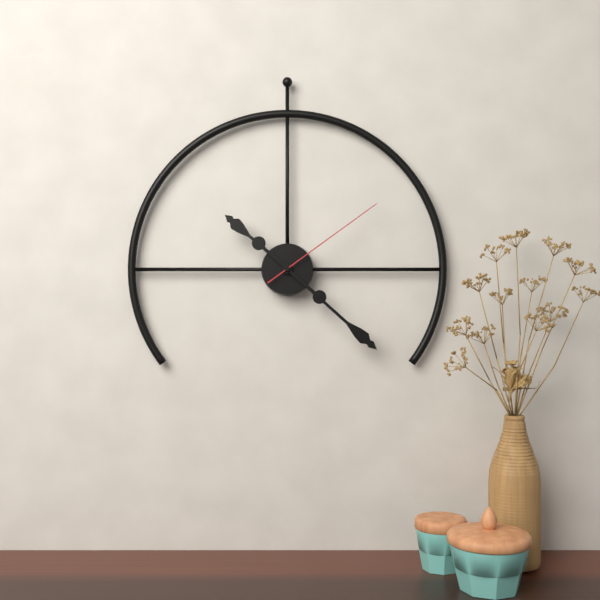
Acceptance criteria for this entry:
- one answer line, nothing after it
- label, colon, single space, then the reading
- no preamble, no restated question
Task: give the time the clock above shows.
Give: 10:22:09
